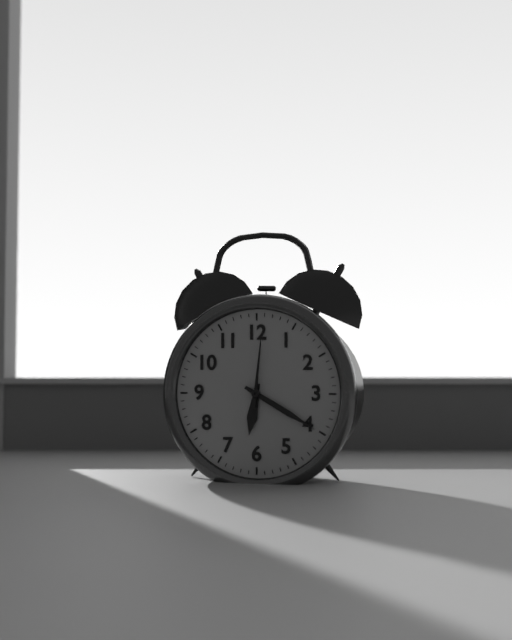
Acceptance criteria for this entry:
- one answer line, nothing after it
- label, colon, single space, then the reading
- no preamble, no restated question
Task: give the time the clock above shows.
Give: 6:20:01
